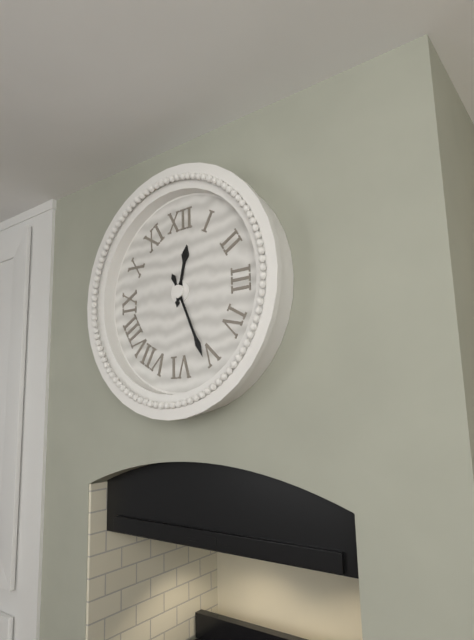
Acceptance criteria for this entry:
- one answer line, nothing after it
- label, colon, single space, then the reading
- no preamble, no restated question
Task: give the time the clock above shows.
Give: 12:26
